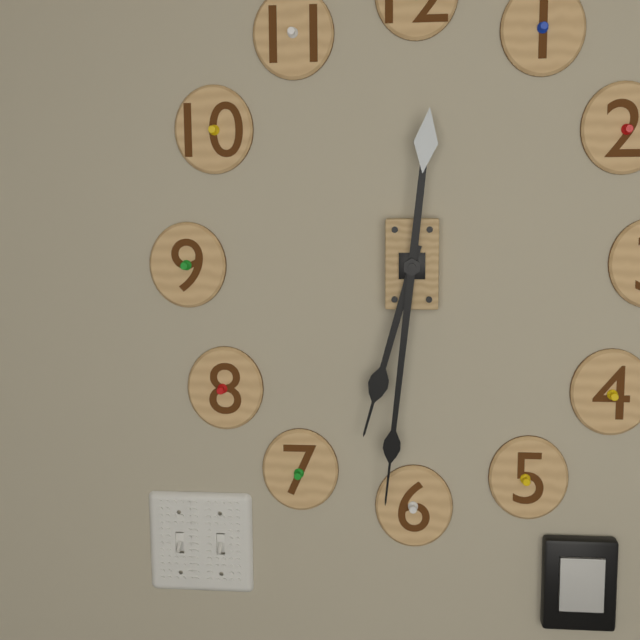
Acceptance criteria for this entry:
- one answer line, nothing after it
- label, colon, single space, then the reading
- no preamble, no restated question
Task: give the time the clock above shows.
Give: 6:31
